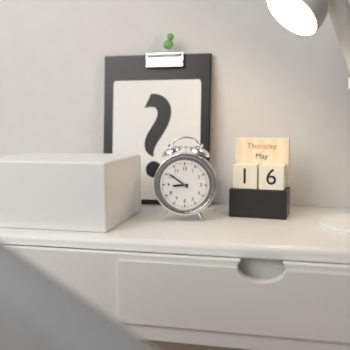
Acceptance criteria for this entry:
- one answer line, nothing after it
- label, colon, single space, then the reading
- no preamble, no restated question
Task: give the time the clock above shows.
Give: 8:51
